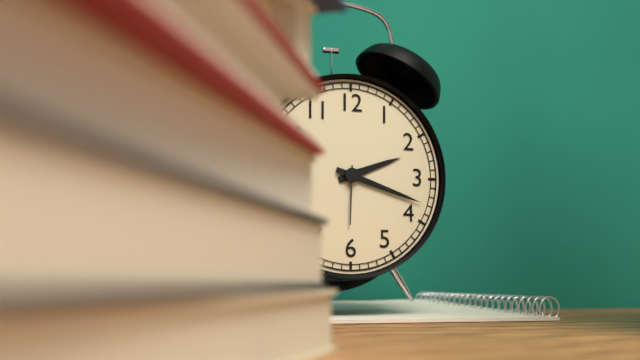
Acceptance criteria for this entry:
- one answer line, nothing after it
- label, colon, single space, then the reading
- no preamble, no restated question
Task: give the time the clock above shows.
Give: 2:18
